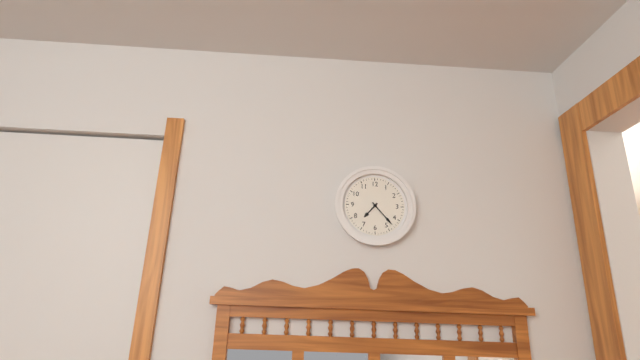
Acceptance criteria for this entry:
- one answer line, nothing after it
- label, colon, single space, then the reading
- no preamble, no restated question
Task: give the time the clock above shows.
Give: 7:23
